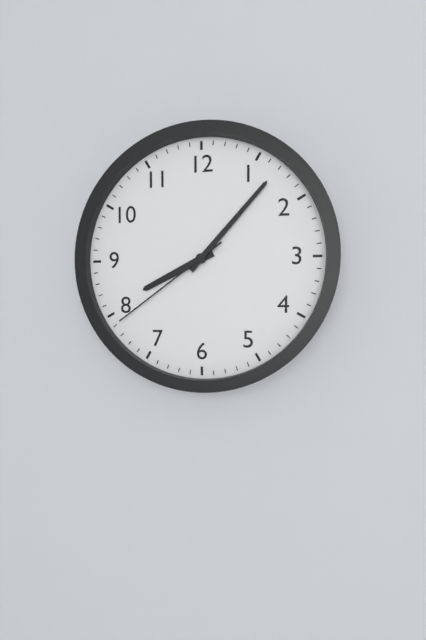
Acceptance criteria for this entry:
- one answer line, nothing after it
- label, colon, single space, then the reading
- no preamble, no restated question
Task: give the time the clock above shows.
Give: 8:07:39
